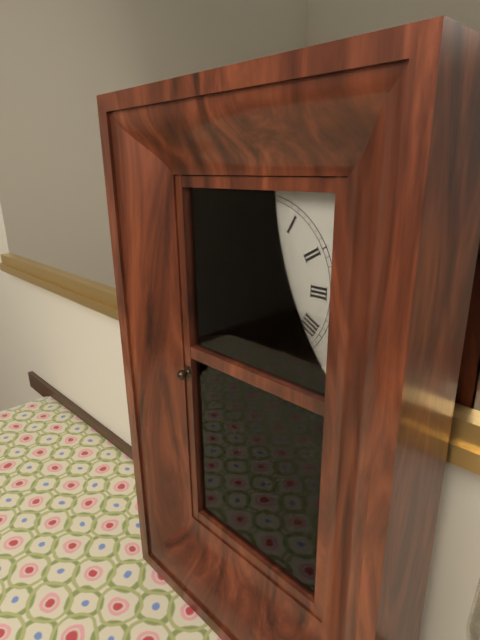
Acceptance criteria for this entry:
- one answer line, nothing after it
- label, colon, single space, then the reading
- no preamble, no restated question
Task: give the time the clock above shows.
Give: 9:58
